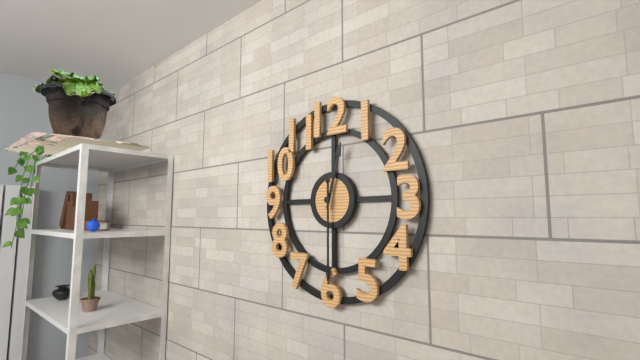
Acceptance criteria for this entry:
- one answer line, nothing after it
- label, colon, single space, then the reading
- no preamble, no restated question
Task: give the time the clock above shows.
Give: 12:30
